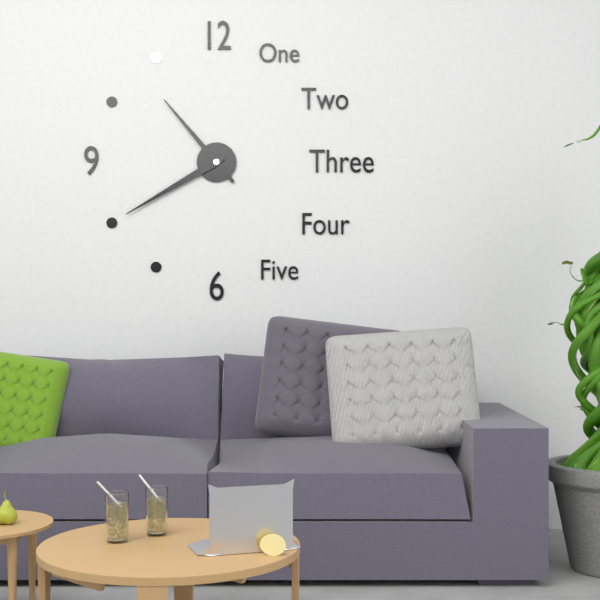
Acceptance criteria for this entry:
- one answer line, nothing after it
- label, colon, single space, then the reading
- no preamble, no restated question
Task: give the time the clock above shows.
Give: 10:40
